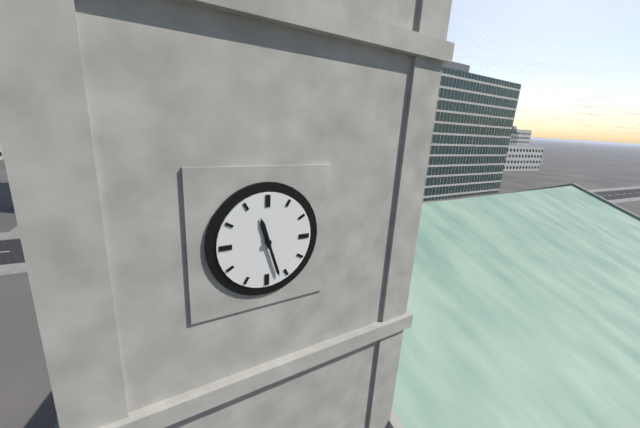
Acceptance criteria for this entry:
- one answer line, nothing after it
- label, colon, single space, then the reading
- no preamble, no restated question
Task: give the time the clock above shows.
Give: 11:27
